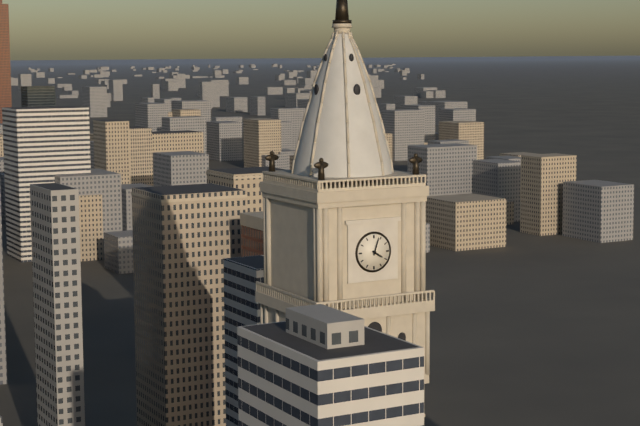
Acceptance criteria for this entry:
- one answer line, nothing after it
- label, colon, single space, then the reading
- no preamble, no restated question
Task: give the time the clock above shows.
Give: 4:03
